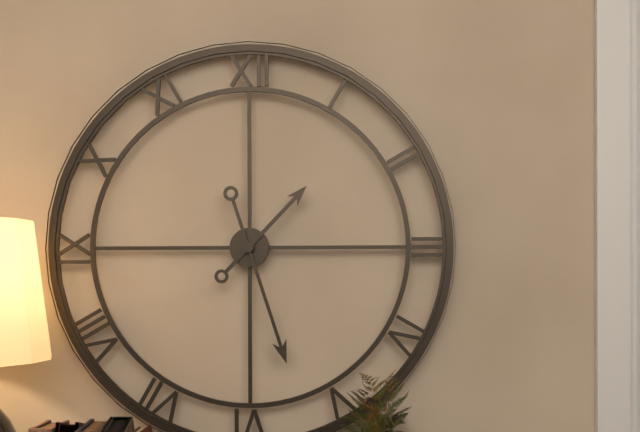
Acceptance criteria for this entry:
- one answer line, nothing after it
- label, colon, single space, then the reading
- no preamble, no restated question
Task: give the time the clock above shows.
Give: 1:27
